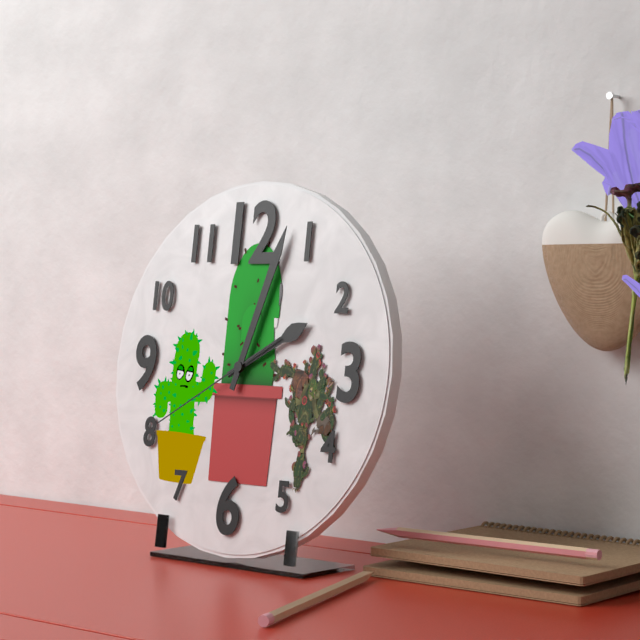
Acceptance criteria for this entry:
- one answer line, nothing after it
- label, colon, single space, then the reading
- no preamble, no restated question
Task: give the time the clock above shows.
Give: 2:03:40
